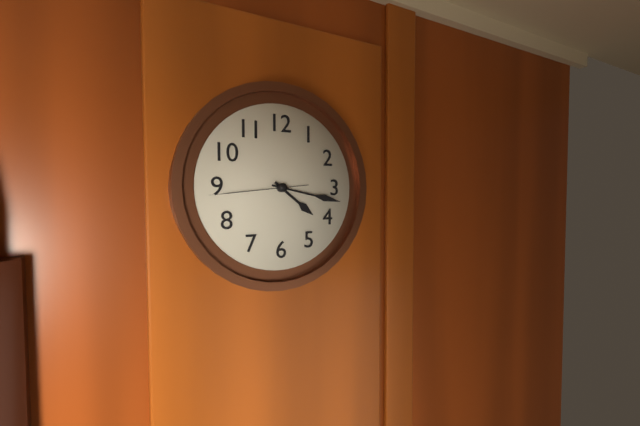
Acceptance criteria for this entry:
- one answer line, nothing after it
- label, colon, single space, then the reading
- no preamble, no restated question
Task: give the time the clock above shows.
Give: 4:17:44
